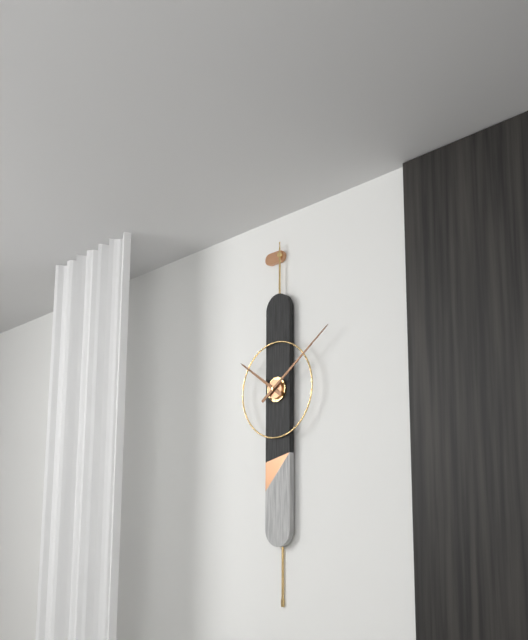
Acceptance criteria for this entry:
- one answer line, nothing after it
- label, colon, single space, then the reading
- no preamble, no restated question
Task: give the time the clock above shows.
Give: 10:09
